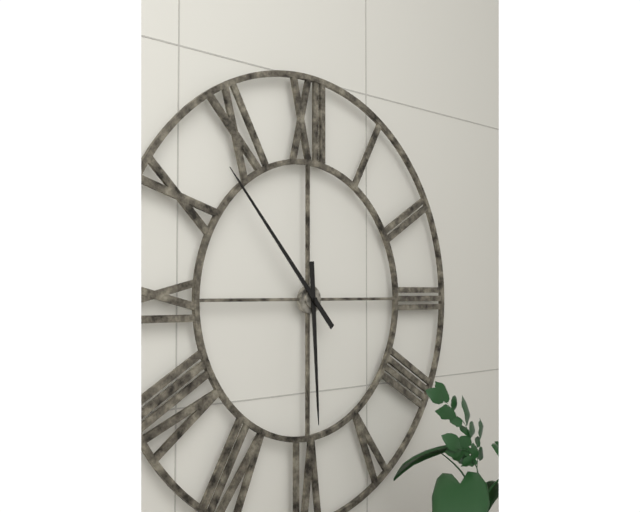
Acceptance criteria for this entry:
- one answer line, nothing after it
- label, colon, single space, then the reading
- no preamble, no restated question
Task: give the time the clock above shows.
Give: 5:53
